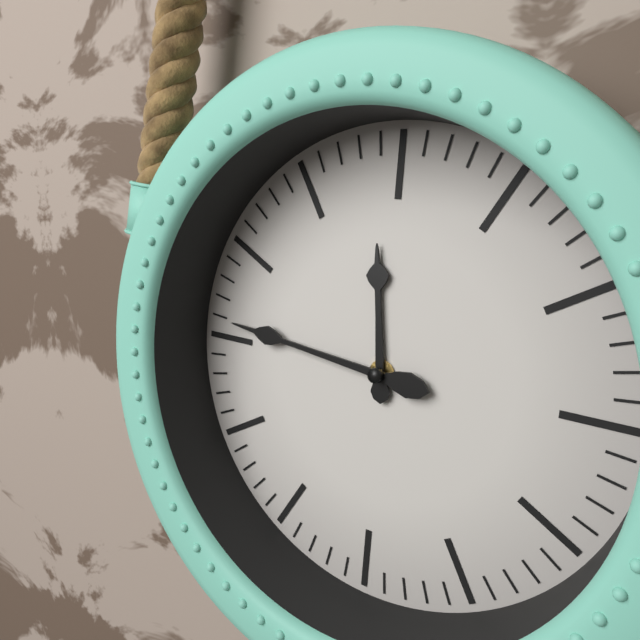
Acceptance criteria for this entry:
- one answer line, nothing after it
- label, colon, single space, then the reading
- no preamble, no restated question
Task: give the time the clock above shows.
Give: 11:46
